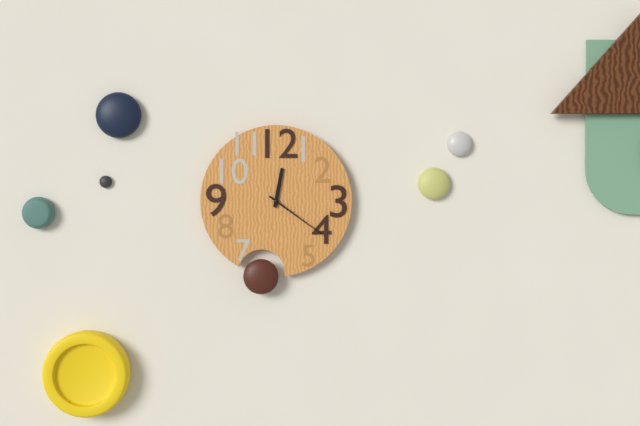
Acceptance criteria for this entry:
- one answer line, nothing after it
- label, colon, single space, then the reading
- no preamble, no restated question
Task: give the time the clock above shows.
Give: 12:21
